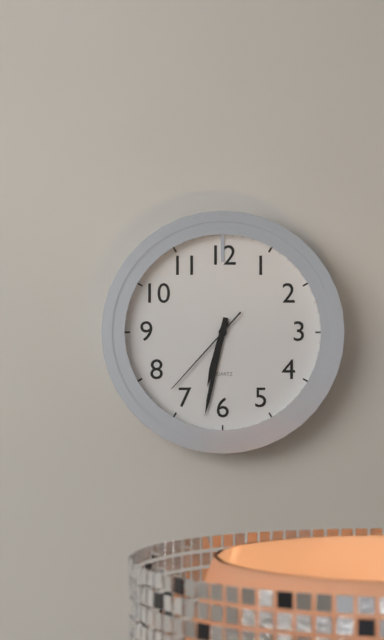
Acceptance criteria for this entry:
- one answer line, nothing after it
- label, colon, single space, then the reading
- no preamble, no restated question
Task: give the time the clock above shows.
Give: 6:32:37
